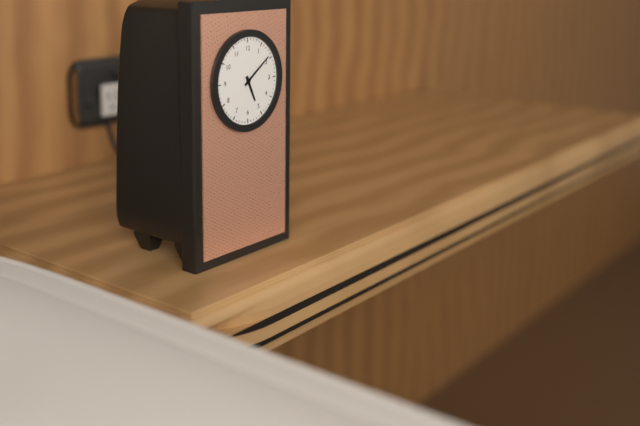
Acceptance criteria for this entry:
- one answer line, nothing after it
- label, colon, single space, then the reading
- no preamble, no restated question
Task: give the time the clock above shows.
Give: 5:09
